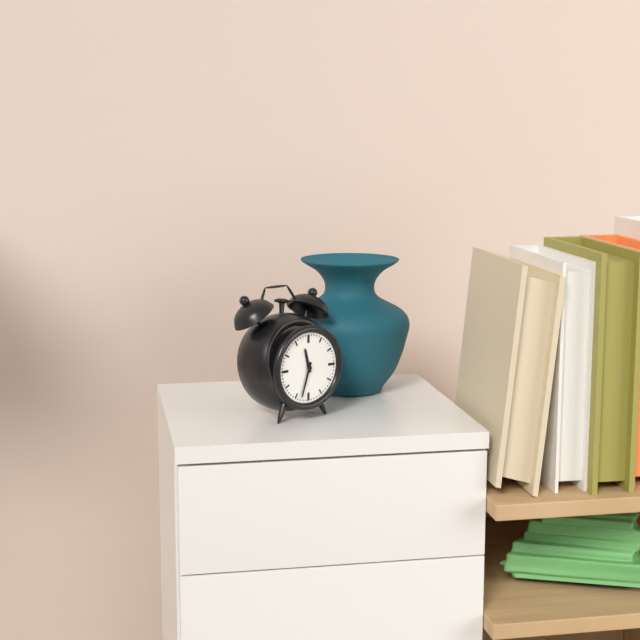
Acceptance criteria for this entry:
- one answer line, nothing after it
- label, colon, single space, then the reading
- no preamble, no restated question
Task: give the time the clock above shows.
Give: 11:33
